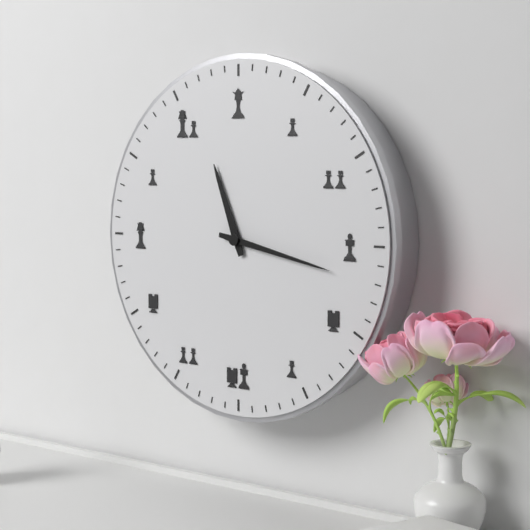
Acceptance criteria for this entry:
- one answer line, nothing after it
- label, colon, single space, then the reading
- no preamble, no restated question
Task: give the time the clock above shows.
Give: 11:17
